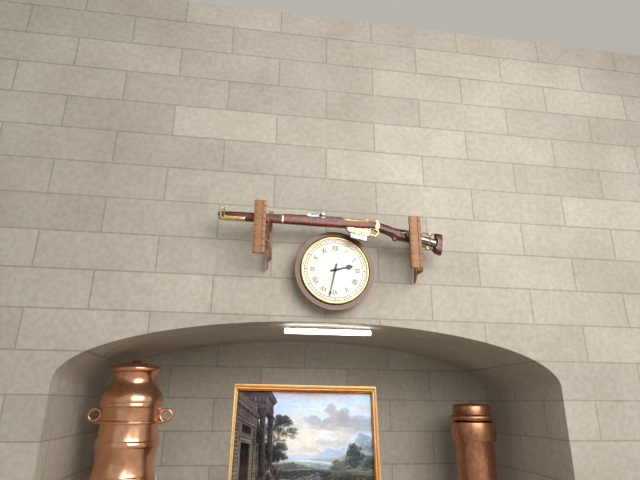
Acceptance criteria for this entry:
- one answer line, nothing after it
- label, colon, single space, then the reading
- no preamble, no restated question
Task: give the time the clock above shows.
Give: 2:32
